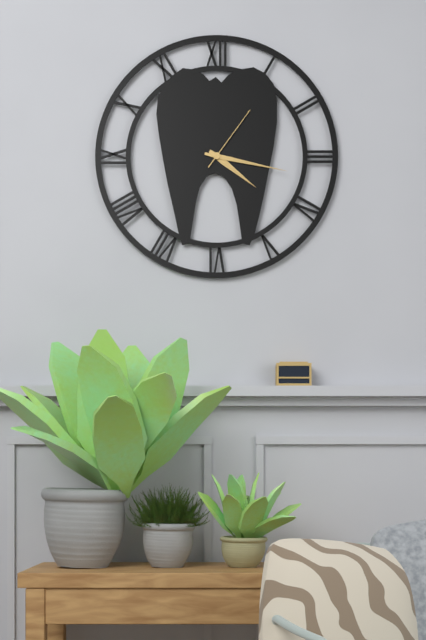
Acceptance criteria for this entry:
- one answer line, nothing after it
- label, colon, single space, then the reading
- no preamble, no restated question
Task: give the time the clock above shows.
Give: 4:17:06
